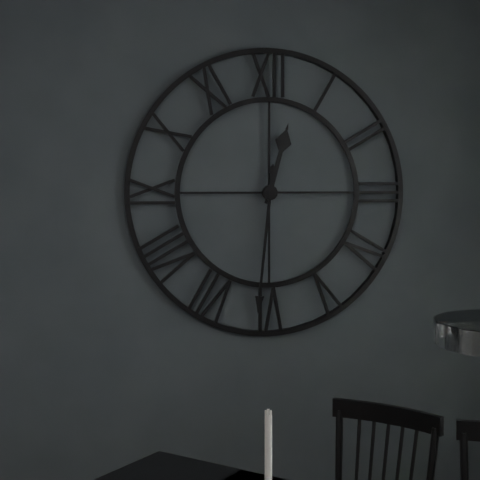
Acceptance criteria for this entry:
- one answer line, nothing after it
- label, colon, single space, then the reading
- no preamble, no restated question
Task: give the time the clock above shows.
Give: 12:31
